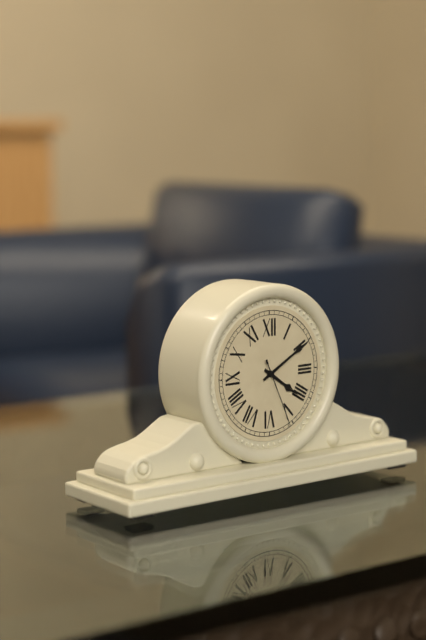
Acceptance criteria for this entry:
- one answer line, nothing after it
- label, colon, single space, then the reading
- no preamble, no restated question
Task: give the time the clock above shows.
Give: 4:10:26
